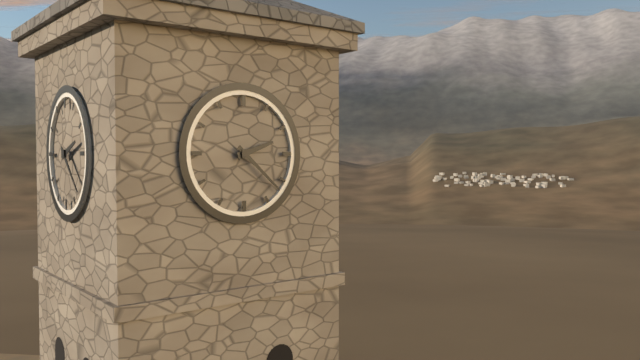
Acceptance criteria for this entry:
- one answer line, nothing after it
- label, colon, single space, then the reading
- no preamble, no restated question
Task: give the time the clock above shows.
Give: 2:22
